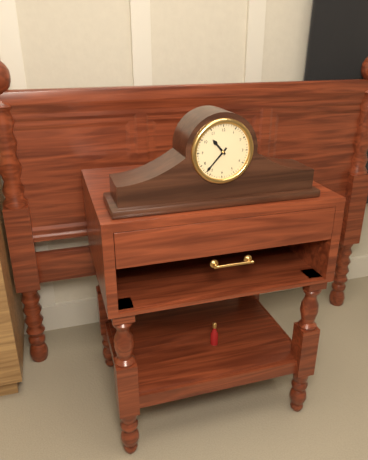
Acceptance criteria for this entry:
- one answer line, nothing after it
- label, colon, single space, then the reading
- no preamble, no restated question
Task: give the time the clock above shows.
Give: 10:37
